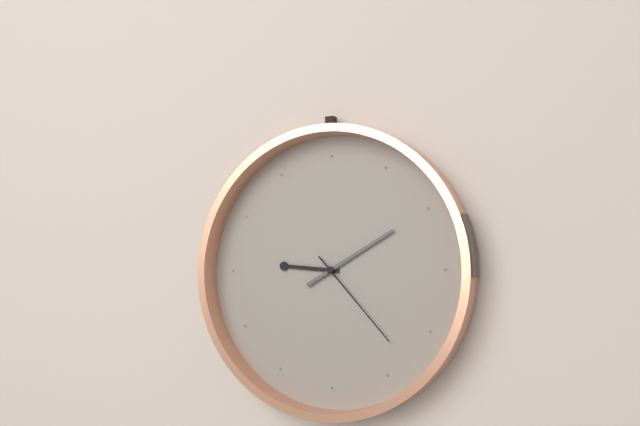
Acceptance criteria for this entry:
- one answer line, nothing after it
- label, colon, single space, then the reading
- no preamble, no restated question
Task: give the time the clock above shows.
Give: 9:10:23
